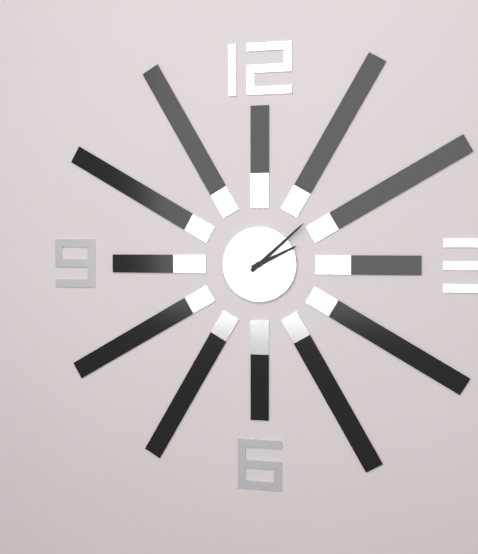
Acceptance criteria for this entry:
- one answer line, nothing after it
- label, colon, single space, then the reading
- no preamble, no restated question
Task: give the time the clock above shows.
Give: 2:08
